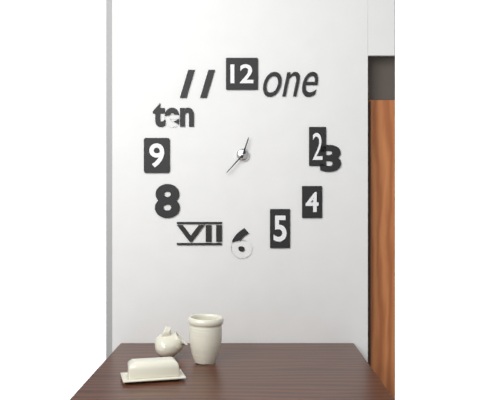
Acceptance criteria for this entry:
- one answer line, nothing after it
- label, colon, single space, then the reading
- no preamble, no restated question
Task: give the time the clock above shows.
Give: 12:37
